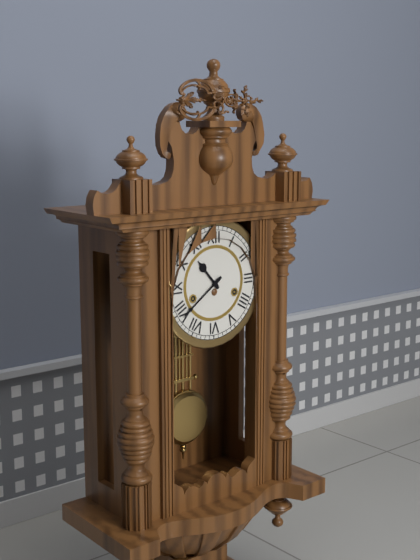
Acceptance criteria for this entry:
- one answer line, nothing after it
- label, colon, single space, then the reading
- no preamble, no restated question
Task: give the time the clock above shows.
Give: 10:39
